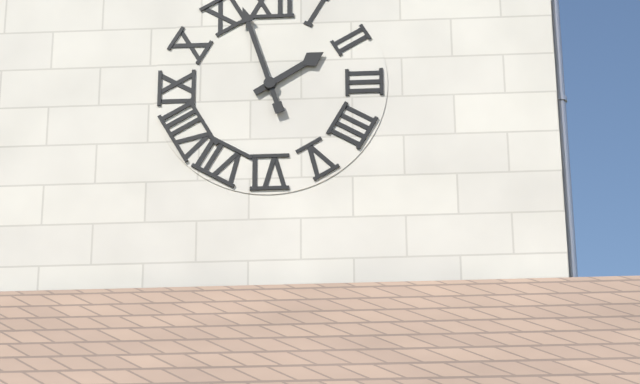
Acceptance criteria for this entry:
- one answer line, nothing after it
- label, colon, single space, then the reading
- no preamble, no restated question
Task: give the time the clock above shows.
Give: 1:57
